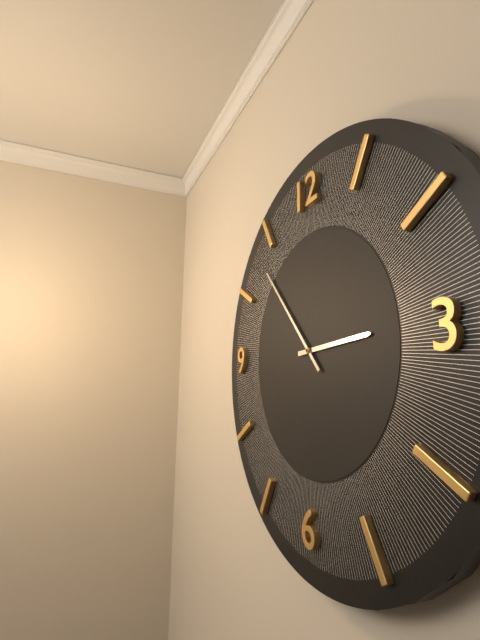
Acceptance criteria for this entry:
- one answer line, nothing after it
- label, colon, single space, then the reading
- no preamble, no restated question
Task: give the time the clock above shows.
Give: 2:53
